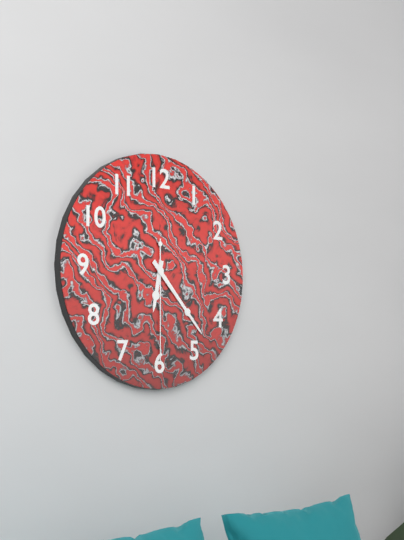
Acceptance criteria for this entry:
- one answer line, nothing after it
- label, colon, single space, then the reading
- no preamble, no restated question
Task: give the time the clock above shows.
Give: 6:23:30
